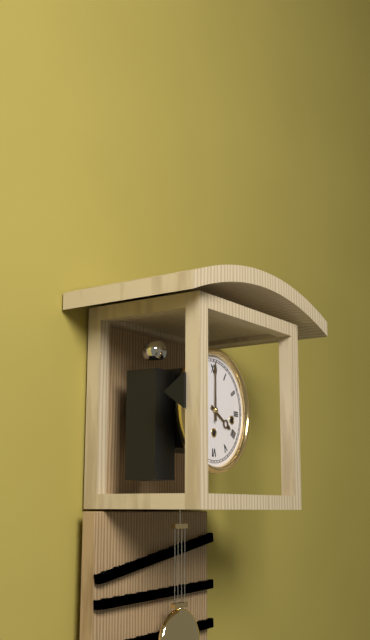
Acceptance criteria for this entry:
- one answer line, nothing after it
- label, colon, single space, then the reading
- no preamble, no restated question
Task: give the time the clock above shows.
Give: 4:00
